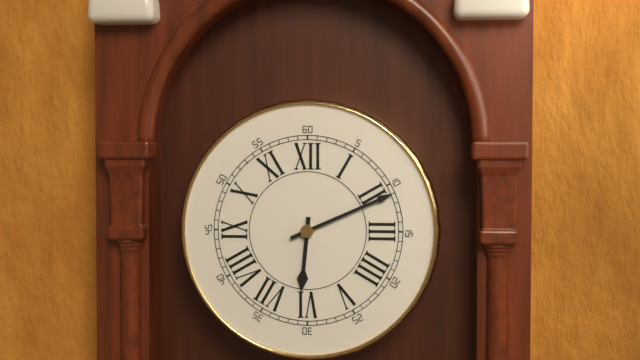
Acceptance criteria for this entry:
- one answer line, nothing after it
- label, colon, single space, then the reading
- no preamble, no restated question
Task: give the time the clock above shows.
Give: 6:11
